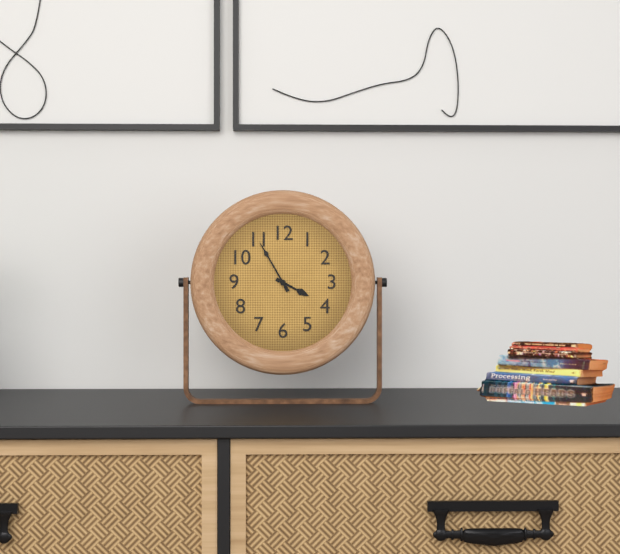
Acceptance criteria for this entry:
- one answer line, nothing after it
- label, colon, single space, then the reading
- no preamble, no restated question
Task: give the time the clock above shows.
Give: 3:55
